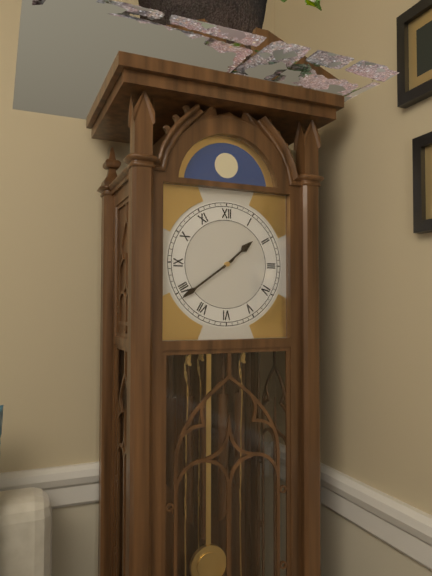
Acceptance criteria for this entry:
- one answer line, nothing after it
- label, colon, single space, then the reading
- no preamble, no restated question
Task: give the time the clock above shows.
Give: 1:39
